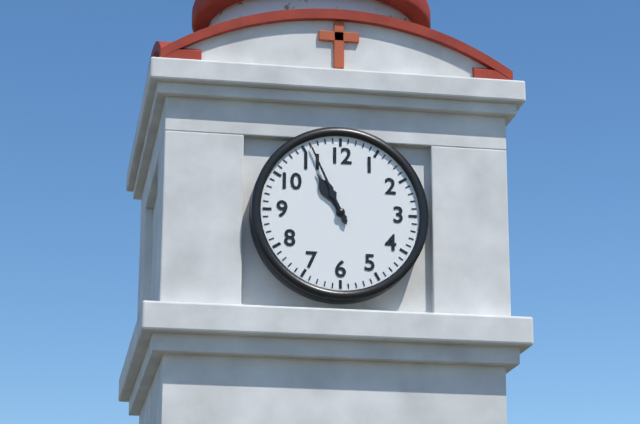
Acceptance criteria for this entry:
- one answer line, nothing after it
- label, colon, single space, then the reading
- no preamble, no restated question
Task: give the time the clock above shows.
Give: 10:56
